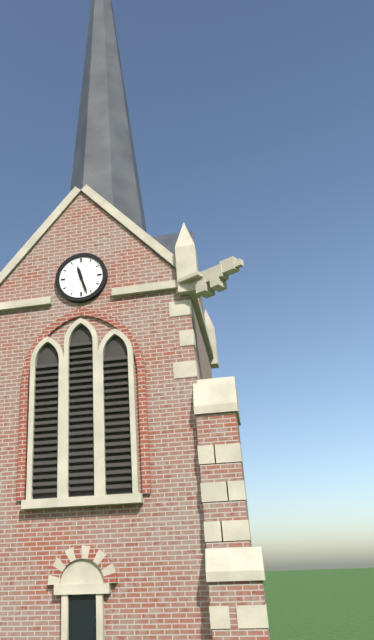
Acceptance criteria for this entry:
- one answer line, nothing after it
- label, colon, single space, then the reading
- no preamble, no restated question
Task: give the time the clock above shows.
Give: 11:27
